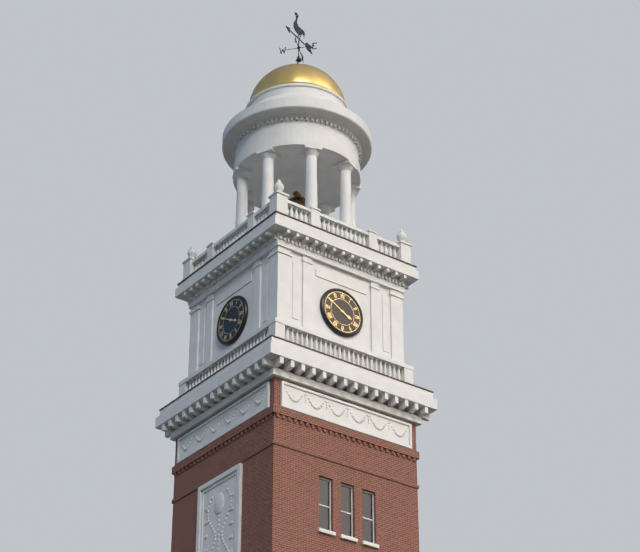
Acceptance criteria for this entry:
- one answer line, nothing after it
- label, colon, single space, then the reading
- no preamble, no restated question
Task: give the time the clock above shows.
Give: 3:50
